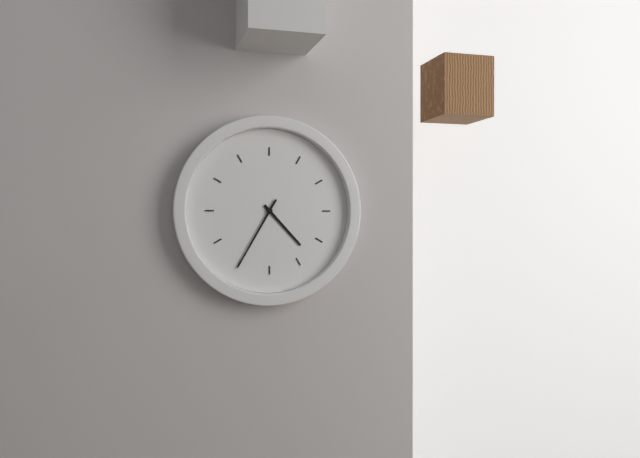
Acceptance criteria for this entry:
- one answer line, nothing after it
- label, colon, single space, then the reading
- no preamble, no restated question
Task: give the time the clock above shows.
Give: 4:35
